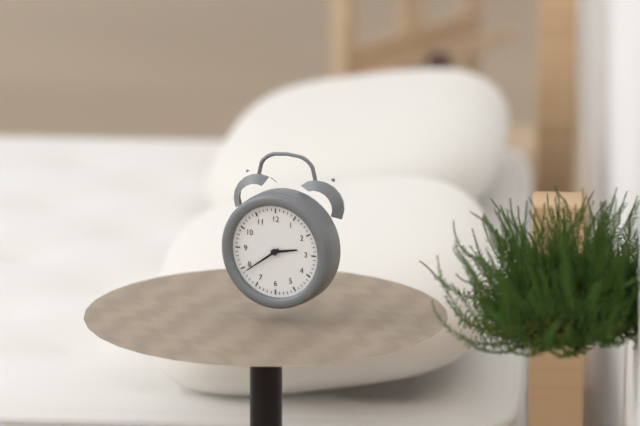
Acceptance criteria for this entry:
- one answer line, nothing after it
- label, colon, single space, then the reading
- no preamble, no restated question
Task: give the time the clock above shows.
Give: 2:39
